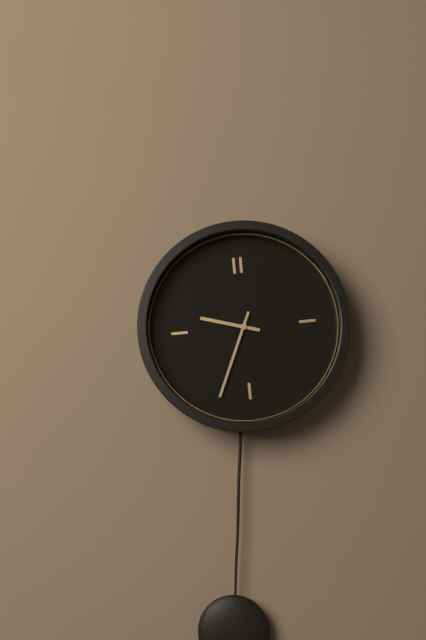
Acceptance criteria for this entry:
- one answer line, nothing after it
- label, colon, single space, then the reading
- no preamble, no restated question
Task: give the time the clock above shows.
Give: 9:34
